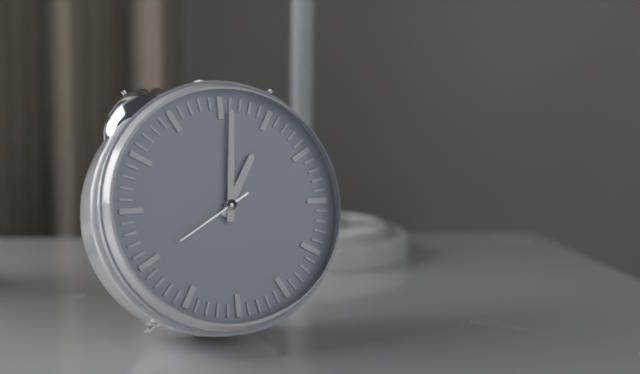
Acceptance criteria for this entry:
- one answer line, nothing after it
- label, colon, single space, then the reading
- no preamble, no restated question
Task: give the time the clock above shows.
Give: 1:01:40
